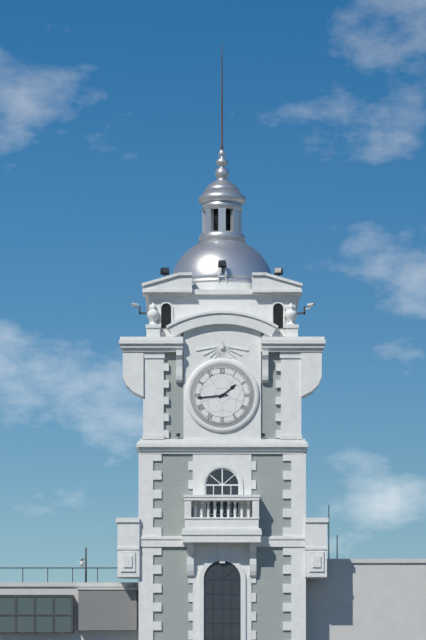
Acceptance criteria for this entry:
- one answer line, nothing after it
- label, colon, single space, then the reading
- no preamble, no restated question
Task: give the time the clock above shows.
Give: 1:44
